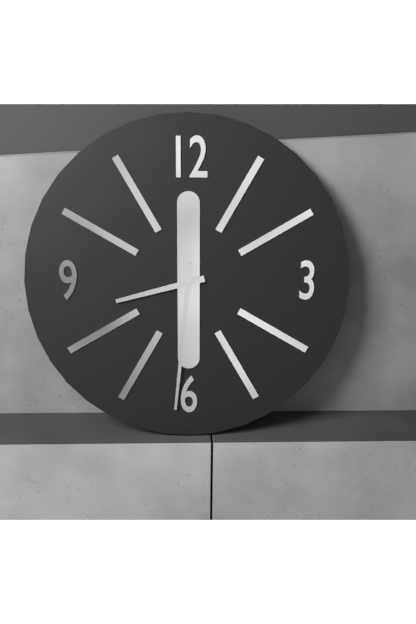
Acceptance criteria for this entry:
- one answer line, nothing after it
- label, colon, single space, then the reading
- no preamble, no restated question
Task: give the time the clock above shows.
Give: 8:31
